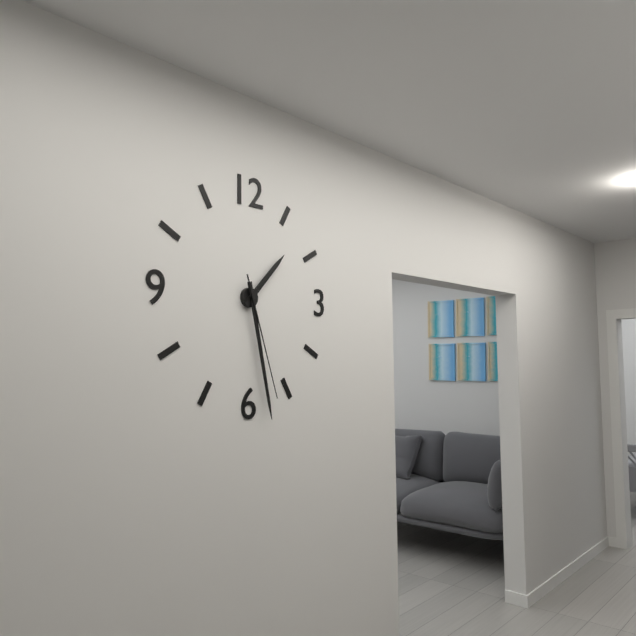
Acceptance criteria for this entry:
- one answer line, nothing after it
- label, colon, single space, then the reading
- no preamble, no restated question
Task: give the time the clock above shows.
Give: 1:28:27
